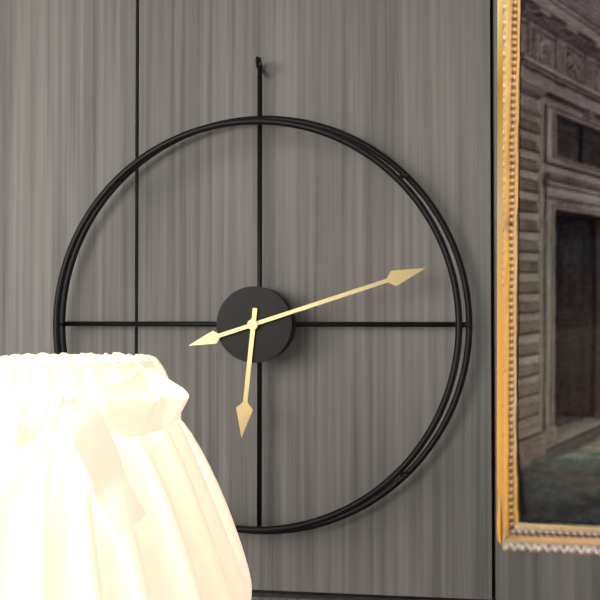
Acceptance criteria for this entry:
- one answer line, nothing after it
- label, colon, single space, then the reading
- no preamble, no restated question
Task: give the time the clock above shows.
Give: 6:12
